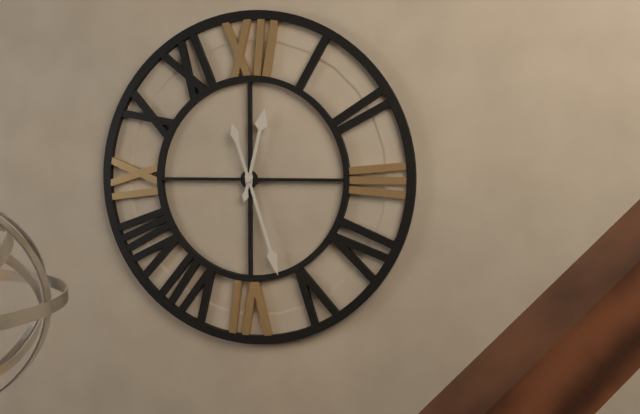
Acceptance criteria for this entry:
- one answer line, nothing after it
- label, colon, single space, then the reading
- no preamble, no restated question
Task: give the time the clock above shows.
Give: 12:27
